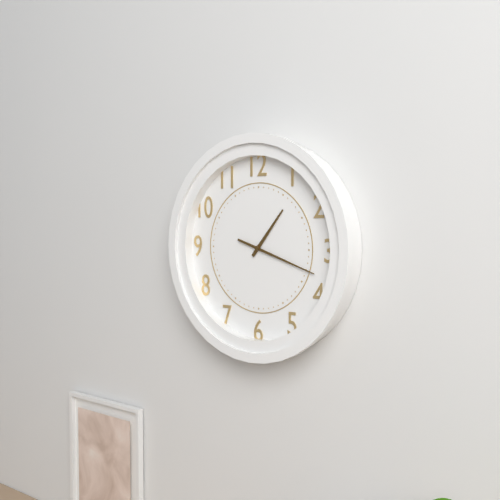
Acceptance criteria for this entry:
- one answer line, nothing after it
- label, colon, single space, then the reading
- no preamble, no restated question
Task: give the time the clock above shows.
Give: 1:18
